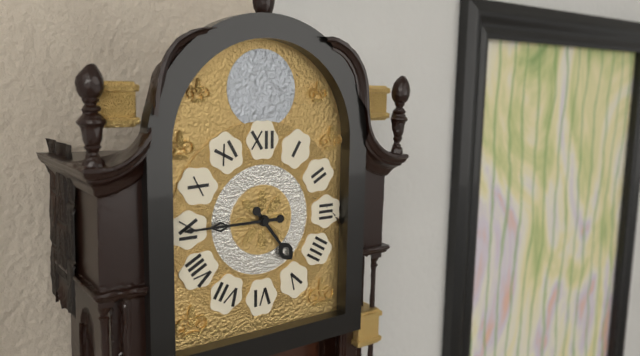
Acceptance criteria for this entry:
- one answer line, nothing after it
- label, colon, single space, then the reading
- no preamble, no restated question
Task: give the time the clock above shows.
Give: 4:45
